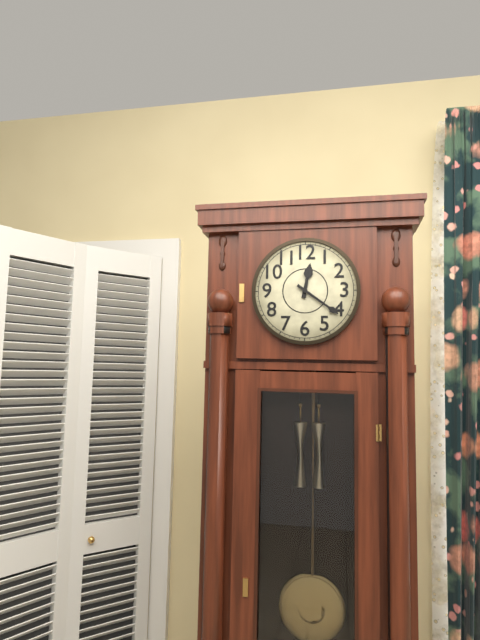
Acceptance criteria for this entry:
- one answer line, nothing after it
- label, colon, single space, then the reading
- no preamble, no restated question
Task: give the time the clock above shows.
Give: 12:21
